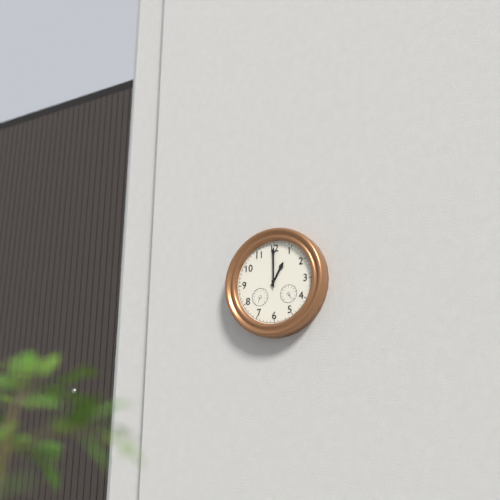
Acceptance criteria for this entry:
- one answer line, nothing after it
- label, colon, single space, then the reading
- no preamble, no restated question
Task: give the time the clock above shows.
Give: 1:00
